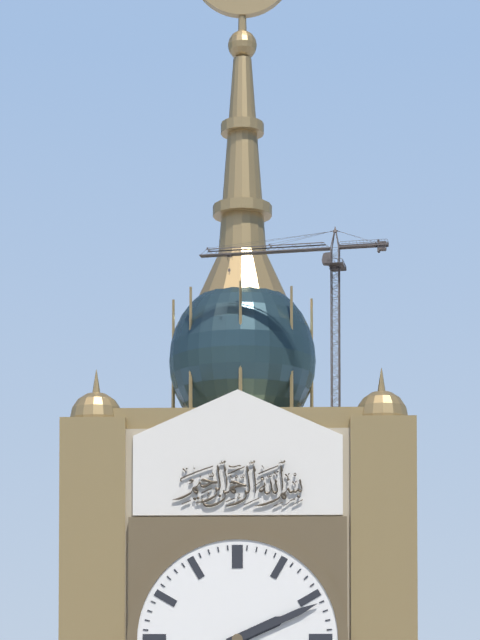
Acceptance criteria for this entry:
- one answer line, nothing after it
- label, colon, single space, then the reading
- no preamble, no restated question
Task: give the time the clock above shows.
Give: 2:11
